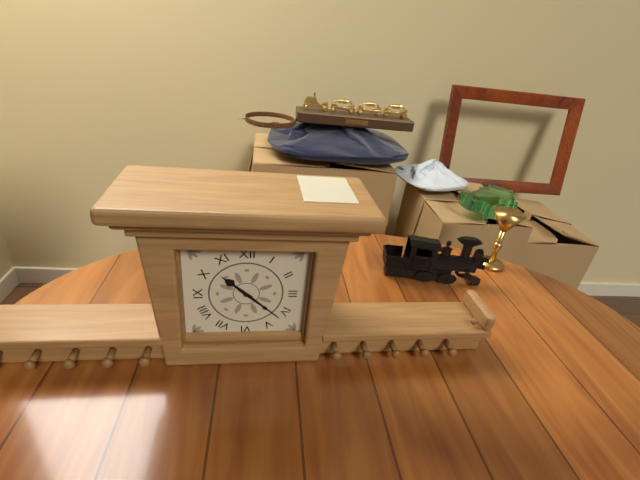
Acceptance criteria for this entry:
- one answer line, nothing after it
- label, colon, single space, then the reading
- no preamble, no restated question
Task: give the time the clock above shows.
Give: 10:22
